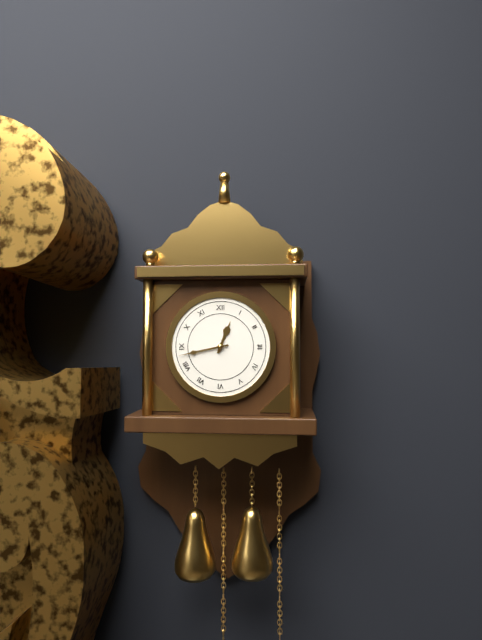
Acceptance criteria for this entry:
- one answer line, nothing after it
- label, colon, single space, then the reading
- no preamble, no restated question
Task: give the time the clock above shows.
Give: 12:43
